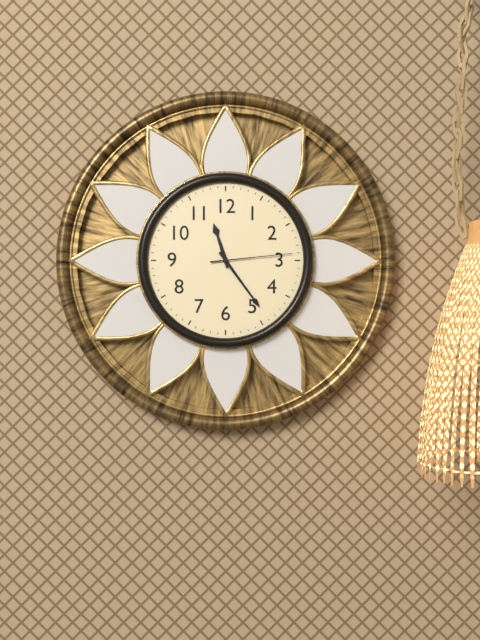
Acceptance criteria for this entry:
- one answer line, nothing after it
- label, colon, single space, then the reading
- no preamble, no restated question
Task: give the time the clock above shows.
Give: 11:24:14
